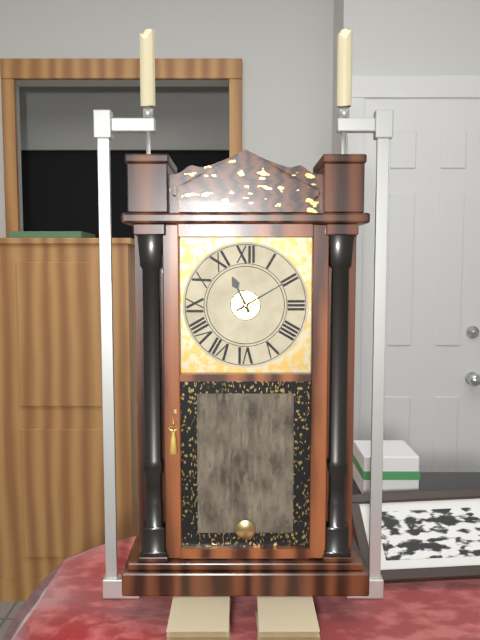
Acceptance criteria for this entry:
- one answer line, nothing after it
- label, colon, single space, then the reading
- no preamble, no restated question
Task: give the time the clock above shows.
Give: 11:10
